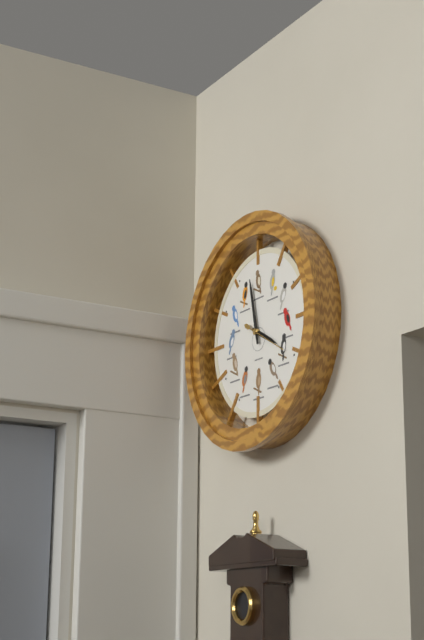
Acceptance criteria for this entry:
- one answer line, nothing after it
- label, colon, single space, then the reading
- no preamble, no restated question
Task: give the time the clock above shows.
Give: 3:58
